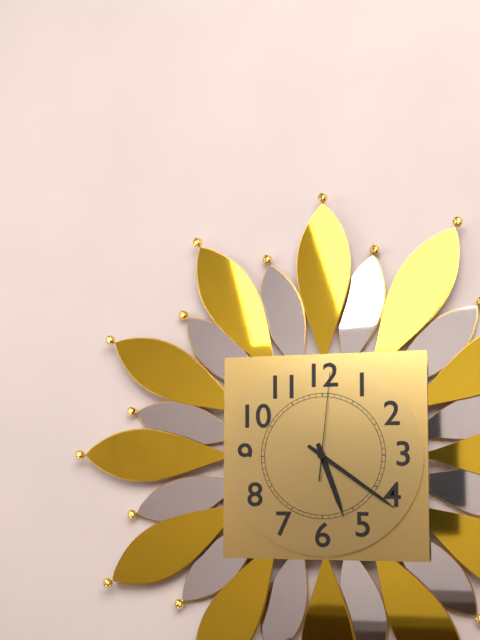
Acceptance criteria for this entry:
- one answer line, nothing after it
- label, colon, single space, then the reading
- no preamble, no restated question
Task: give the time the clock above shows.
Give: 5:21:01
